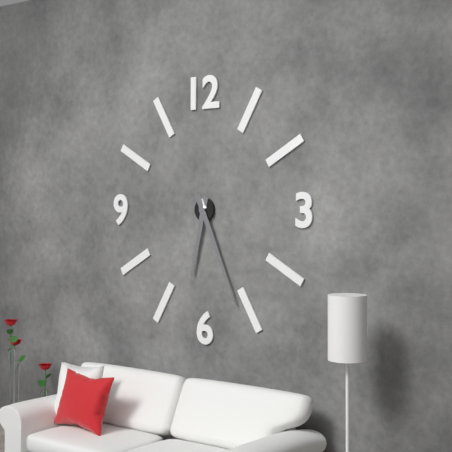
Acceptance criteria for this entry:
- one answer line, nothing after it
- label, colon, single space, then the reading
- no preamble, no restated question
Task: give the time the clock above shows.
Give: 6:26
